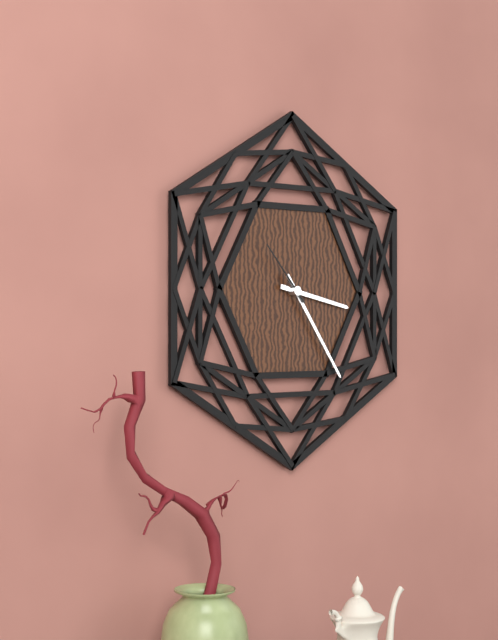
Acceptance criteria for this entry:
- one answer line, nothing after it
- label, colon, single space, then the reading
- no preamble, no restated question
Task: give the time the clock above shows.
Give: 3:24:53
